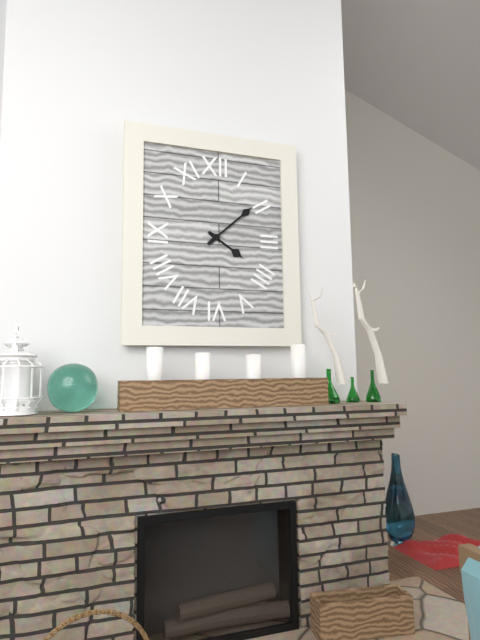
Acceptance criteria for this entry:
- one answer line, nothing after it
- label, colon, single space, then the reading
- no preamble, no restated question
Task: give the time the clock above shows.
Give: 4:08
